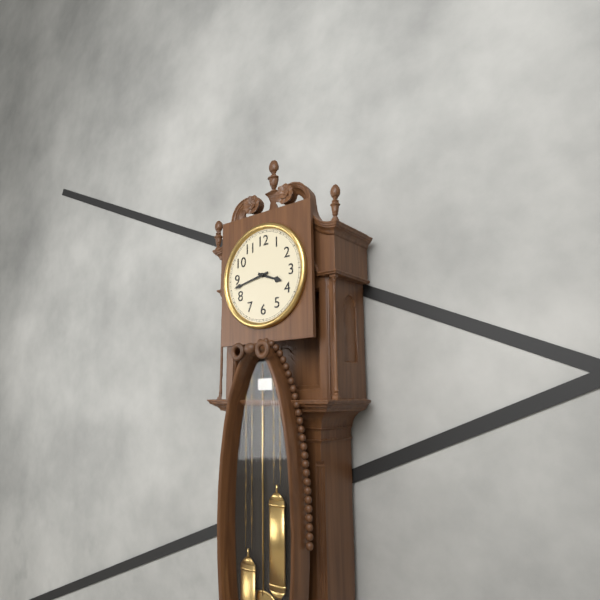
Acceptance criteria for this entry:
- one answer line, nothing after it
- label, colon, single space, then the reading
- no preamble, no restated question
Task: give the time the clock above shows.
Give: 3:43
